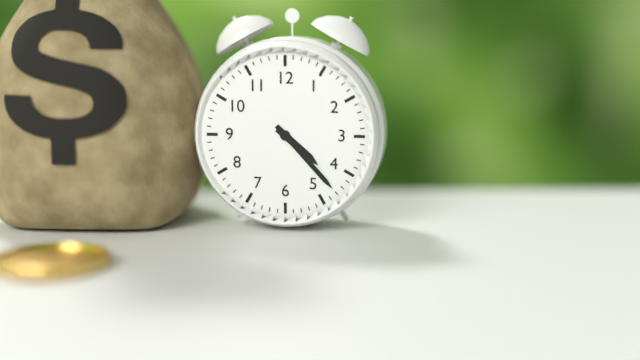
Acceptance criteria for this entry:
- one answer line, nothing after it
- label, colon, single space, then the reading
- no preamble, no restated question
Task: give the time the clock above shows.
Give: 4:23
